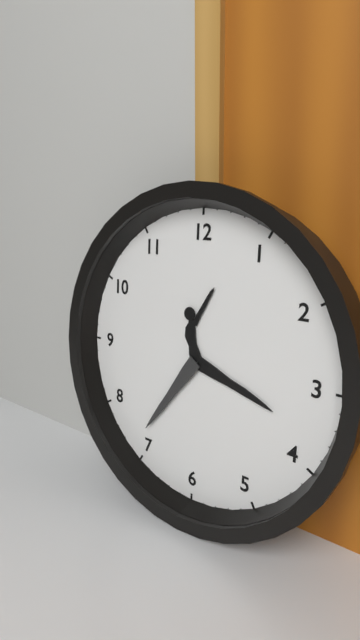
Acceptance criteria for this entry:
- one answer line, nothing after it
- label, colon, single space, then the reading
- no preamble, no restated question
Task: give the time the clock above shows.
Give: 3:36
